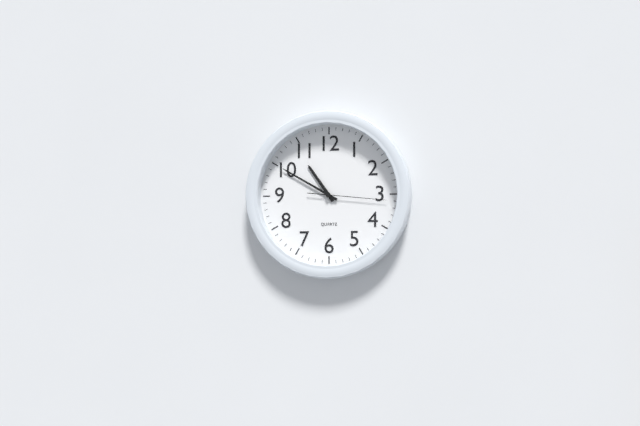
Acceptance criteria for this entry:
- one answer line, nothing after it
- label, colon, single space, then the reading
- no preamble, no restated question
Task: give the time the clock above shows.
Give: 10:50:16
